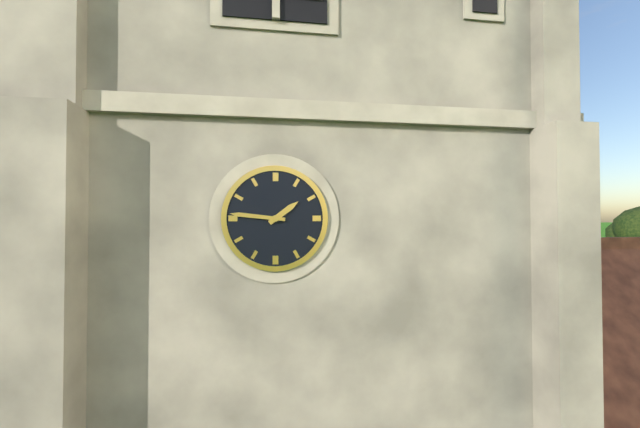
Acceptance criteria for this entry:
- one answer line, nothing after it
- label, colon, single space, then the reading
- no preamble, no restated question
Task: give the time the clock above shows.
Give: 1:46
